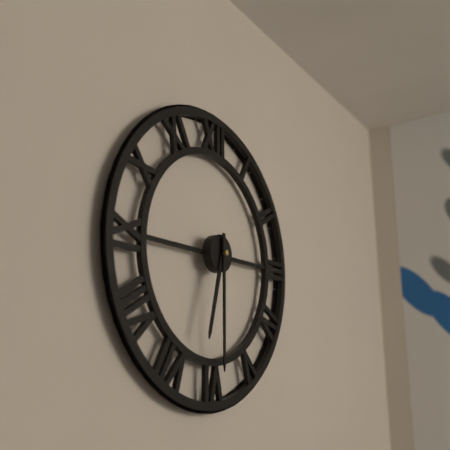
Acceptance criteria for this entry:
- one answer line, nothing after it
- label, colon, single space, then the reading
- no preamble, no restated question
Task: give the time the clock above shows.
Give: 6:30
